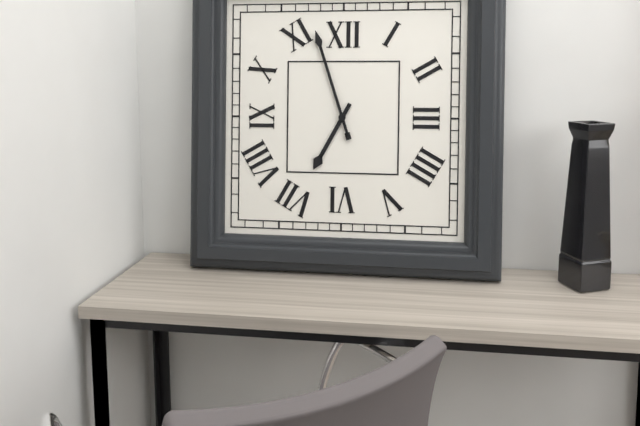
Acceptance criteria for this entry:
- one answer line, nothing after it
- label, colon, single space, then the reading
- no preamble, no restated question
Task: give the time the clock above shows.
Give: 6:57
